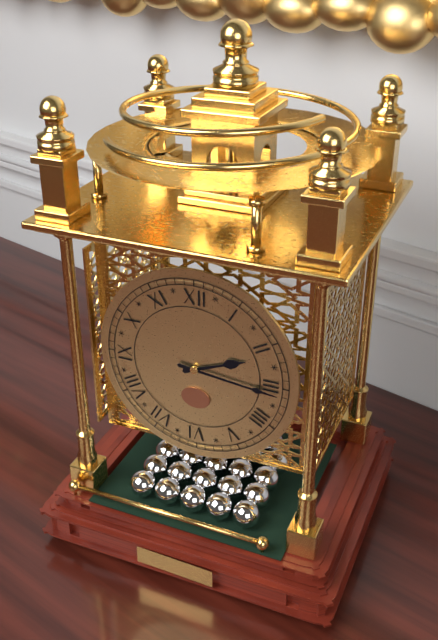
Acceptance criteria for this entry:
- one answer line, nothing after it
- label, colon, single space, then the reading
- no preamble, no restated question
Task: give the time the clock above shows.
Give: 2:16
